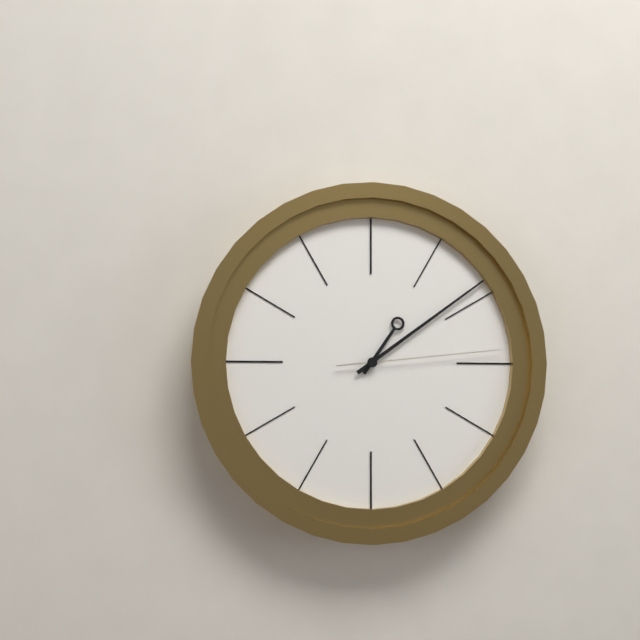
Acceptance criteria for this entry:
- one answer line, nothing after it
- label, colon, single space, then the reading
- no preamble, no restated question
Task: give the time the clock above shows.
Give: 1:09:14
